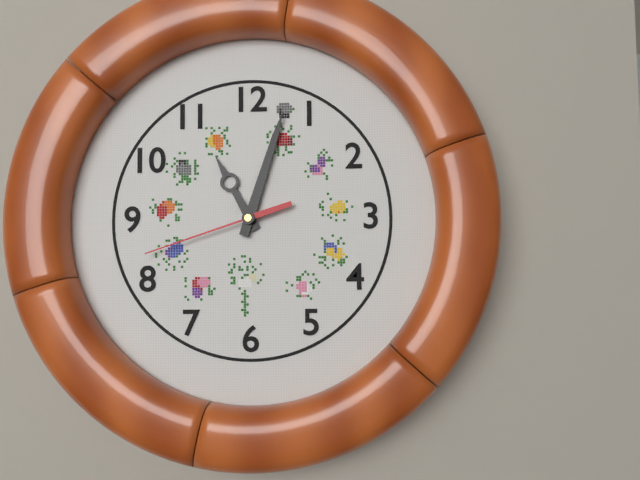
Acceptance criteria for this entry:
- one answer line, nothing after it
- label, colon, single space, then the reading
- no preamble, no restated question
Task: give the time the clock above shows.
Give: 11:03:42
